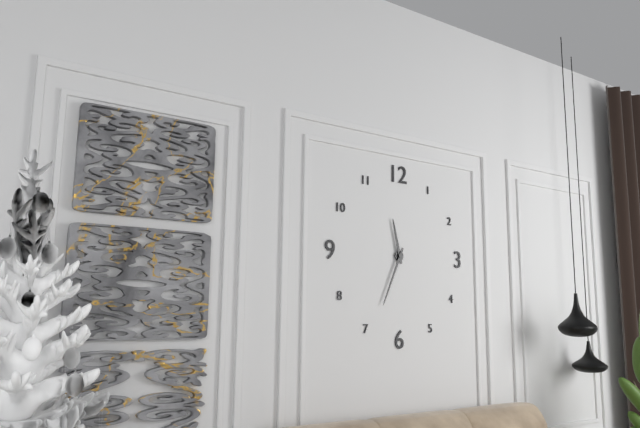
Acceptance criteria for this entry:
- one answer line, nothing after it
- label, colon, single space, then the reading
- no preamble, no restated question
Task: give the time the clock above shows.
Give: 11:34
